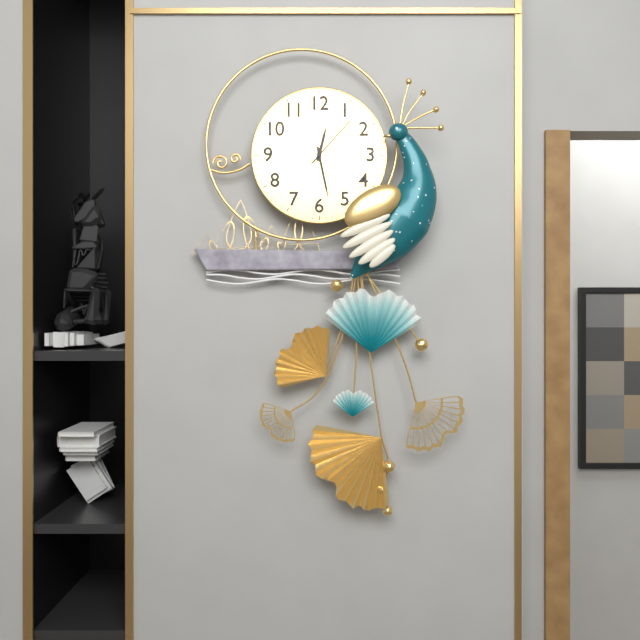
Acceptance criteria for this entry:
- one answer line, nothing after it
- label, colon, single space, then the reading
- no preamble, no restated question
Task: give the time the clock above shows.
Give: 12:28:07
